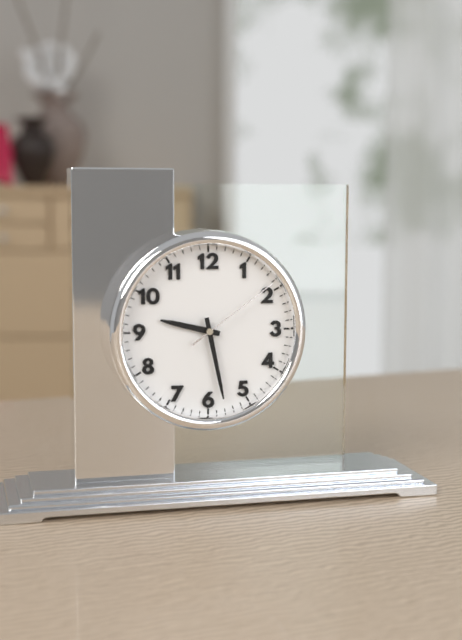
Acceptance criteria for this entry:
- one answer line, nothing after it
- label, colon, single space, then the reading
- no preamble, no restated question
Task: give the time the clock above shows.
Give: 9:28:09
